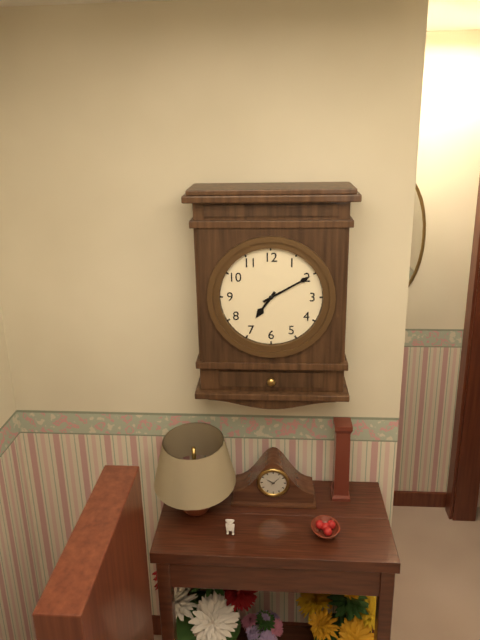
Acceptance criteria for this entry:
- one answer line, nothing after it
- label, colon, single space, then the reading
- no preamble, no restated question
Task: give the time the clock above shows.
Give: 7:10
